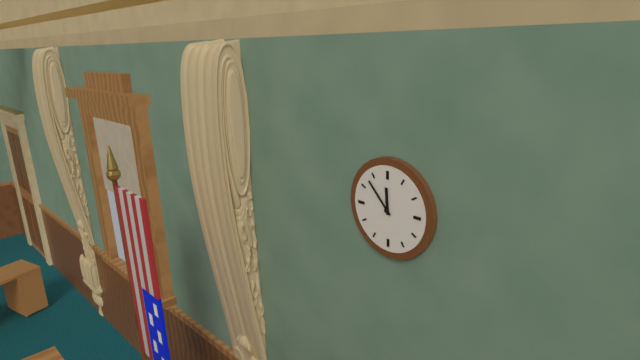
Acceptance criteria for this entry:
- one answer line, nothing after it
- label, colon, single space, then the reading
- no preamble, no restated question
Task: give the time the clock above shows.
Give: 11:53
